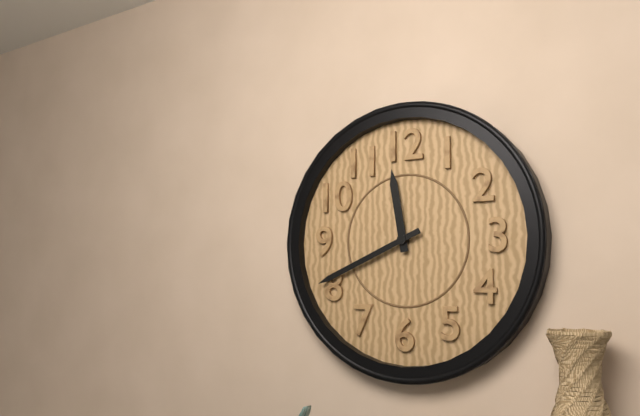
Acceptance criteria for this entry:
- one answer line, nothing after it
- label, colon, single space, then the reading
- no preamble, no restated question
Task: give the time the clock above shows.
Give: 11:41
